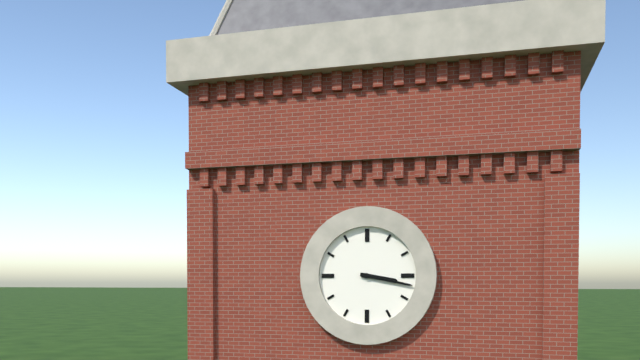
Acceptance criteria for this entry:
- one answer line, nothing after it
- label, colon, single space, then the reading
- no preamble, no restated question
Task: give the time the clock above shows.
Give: 3:17
